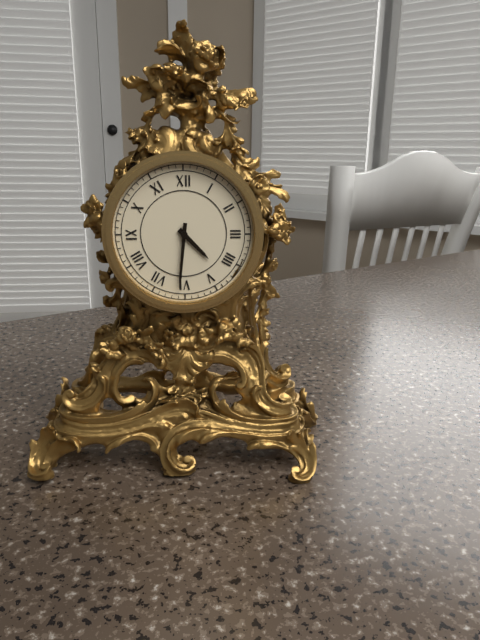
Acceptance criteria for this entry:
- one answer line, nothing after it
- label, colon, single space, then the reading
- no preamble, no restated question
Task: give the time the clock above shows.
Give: 4:31
